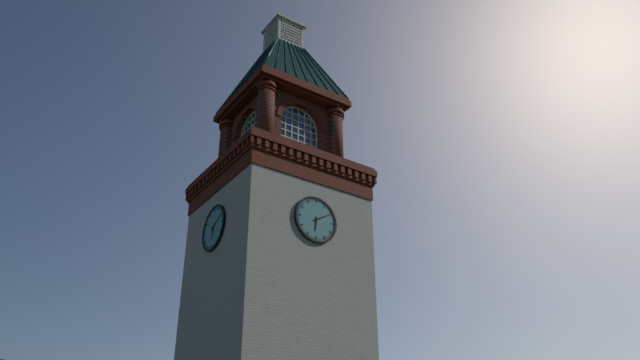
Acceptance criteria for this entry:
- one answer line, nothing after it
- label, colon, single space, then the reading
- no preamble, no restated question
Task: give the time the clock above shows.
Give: 6:10
